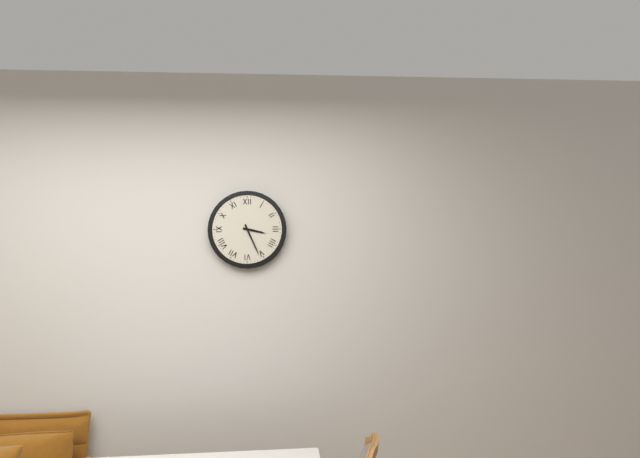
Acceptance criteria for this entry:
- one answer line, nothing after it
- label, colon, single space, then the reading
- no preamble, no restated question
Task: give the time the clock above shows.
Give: 3:26
